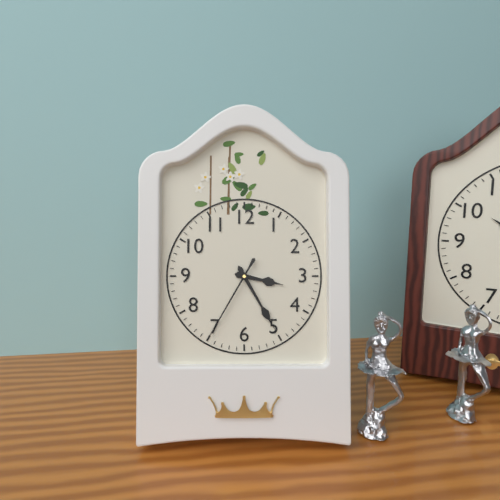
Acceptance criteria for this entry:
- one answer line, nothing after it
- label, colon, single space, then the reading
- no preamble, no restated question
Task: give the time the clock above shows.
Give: 3:25:35
